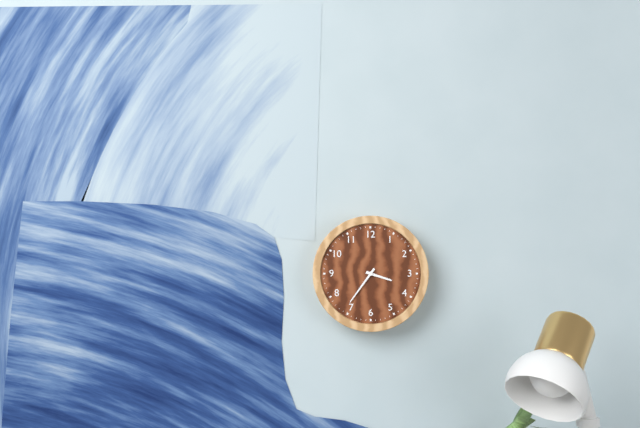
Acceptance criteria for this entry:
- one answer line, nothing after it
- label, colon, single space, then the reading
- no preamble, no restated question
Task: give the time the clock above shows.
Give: 3:36
